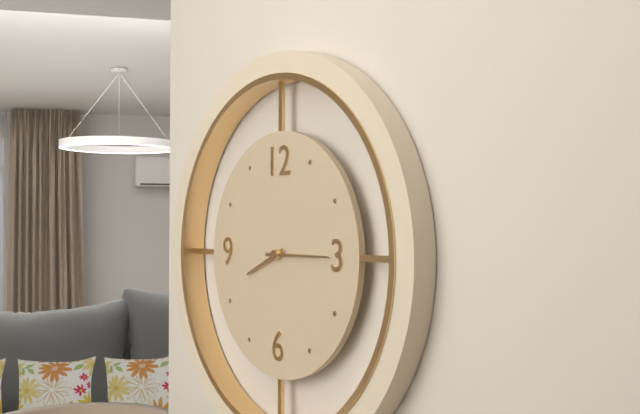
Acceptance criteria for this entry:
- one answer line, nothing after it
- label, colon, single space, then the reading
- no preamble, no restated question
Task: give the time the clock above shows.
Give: 8:15
